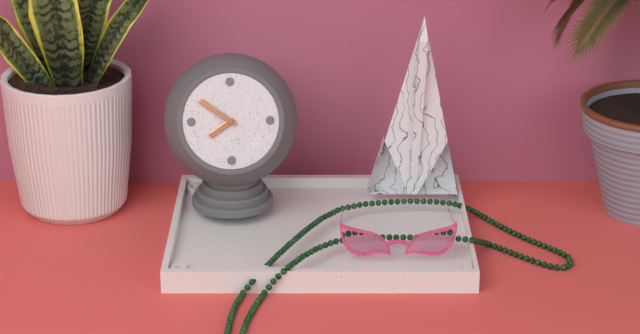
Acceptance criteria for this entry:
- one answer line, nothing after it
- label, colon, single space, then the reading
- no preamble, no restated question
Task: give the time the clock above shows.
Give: 7:51
